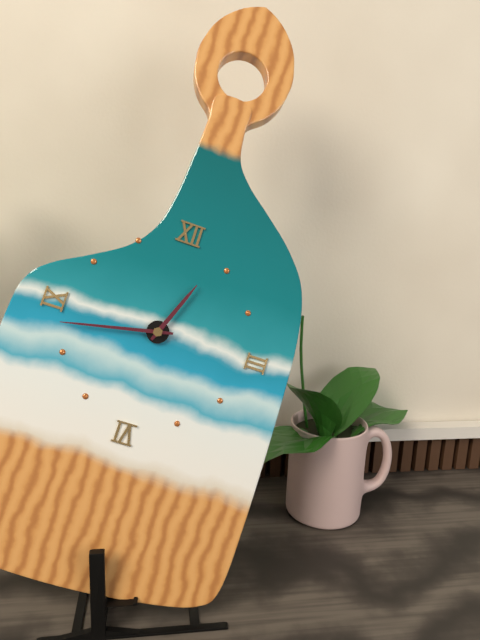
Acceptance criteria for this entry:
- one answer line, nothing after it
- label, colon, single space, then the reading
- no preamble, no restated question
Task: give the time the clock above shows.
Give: 12:43
